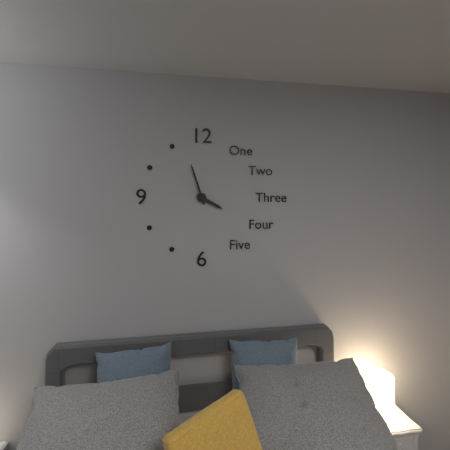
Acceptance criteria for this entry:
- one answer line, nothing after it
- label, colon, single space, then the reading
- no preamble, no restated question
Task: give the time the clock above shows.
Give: 3:57
